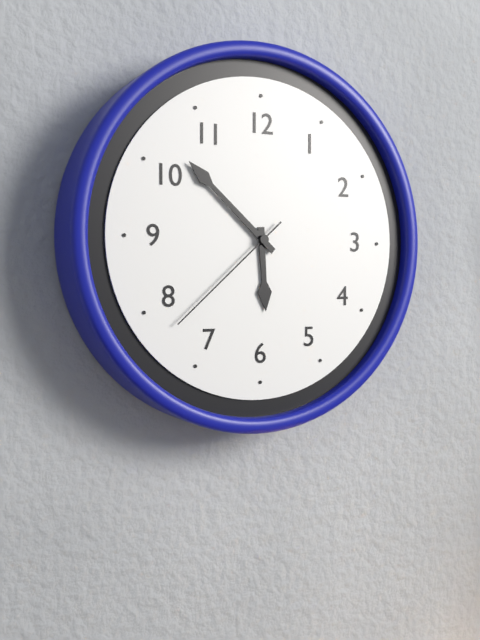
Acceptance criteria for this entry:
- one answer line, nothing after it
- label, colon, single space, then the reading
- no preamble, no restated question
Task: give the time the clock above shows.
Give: 5:52:38
